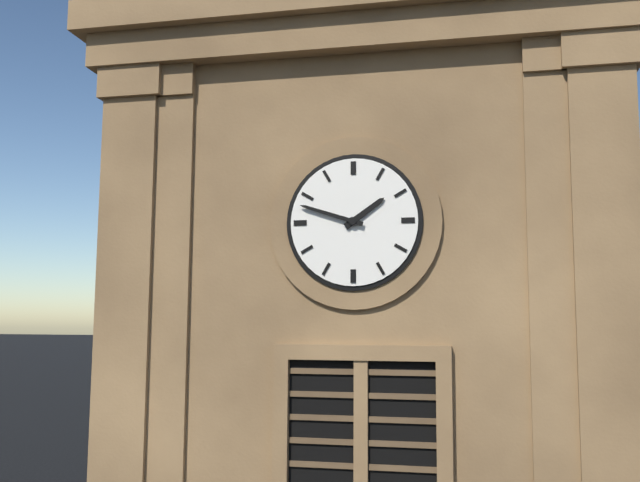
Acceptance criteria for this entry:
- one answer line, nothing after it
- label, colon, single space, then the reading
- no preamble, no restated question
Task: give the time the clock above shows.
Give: 1:48
